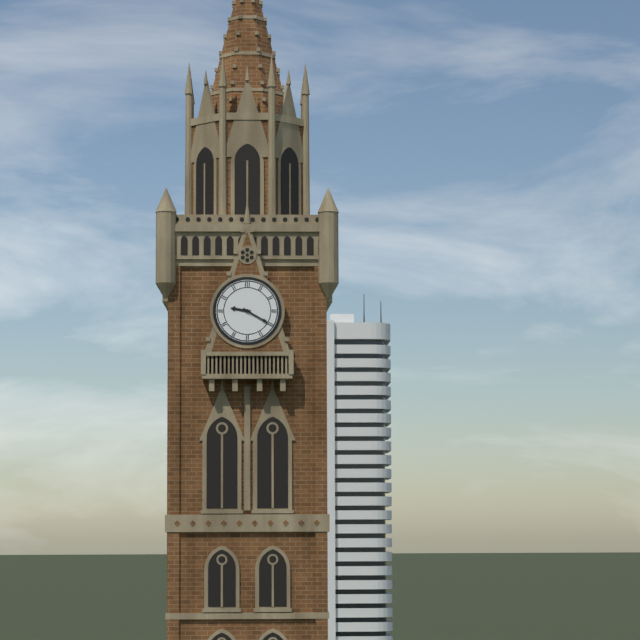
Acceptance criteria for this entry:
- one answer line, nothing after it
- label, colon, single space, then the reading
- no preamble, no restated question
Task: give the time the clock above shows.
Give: 9:20
